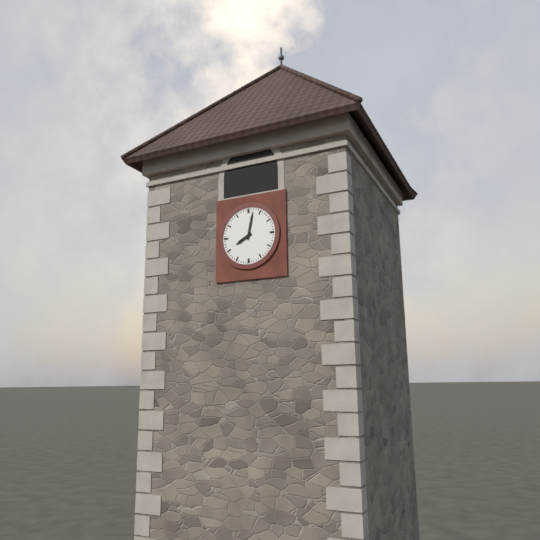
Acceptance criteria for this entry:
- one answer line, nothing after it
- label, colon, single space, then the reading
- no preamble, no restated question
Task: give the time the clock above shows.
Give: 8:02
